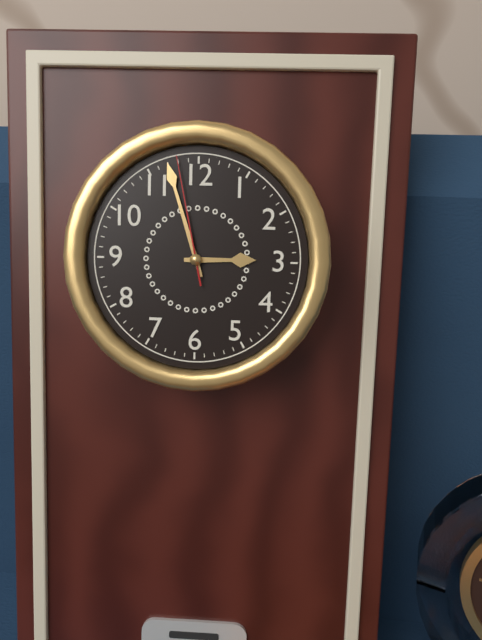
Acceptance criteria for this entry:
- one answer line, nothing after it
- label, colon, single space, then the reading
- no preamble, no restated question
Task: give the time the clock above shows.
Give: 2:57:58
